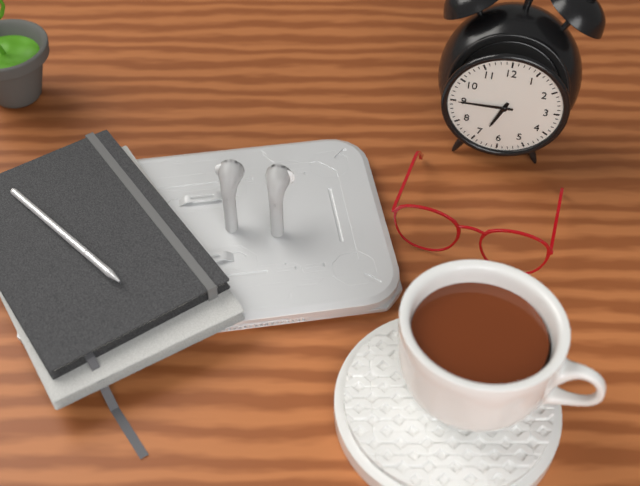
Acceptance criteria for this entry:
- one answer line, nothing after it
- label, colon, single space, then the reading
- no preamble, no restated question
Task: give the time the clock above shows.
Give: 6:45
